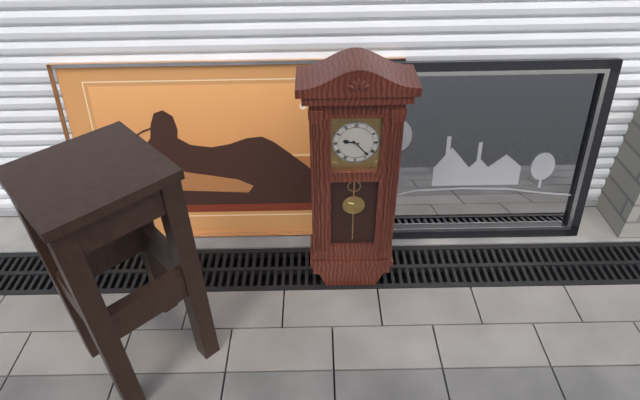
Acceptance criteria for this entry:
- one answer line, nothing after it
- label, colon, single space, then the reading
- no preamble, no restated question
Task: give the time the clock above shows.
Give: 9:23
